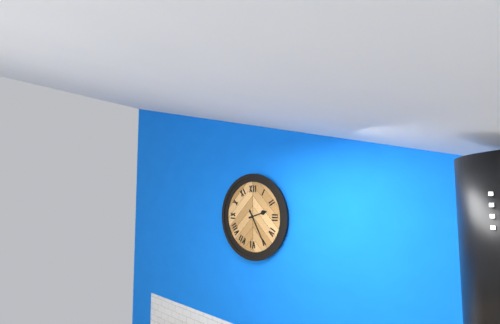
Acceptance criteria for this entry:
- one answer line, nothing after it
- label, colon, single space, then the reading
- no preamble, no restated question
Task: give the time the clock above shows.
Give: 2:25
